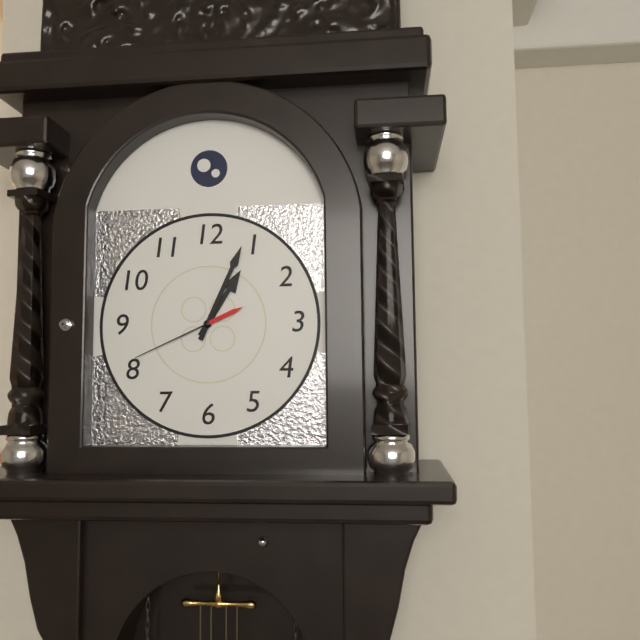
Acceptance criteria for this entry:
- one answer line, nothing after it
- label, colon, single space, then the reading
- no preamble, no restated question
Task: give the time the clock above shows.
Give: 1:04:41
